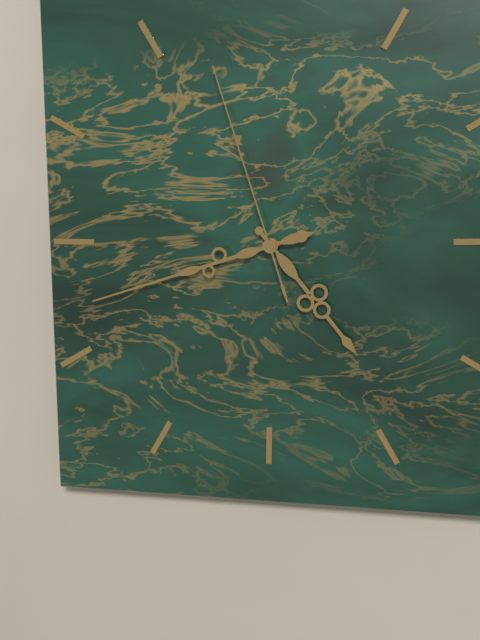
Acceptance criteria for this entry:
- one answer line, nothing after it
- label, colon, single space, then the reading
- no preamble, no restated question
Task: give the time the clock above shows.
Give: 4:42:57
